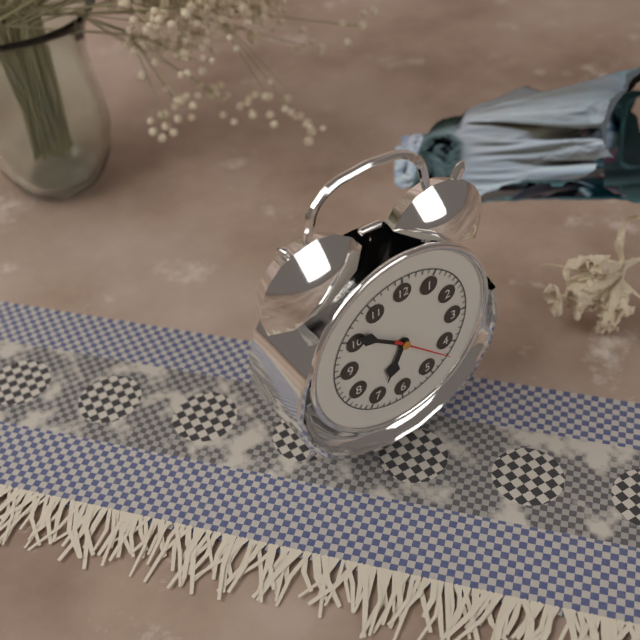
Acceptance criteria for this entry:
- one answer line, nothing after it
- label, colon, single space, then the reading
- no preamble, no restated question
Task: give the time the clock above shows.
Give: 6:51:22
